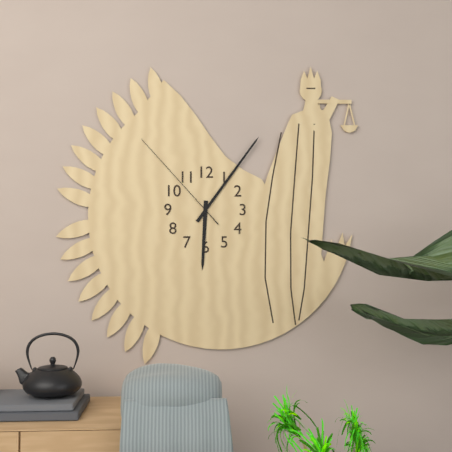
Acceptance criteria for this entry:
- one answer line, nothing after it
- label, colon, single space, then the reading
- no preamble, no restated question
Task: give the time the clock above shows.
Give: 6:06:53
